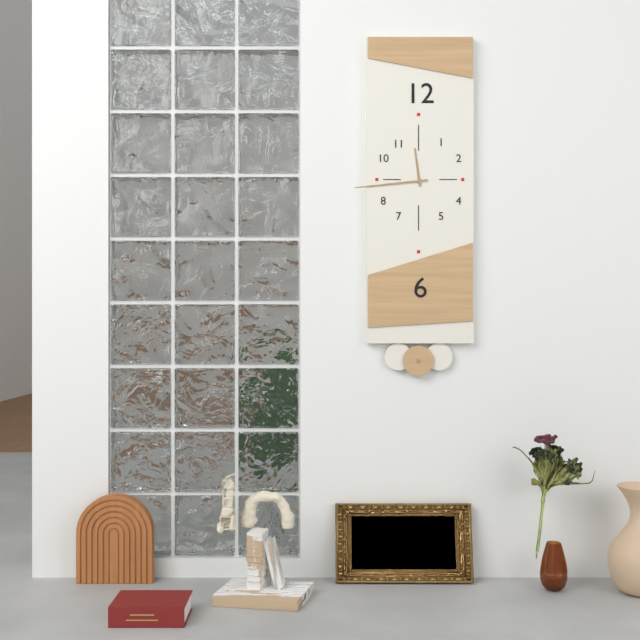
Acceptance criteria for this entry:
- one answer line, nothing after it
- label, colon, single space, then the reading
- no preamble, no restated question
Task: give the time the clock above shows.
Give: 11:44
